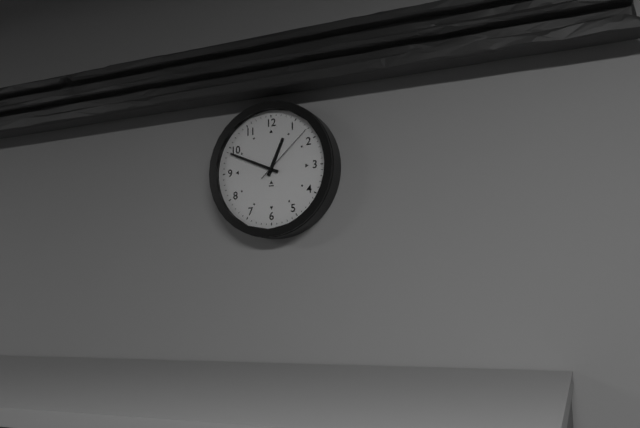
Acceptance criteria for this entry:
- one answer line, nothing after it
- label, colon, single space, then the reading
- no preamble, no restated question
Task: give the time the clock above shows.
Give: 12:49:08
